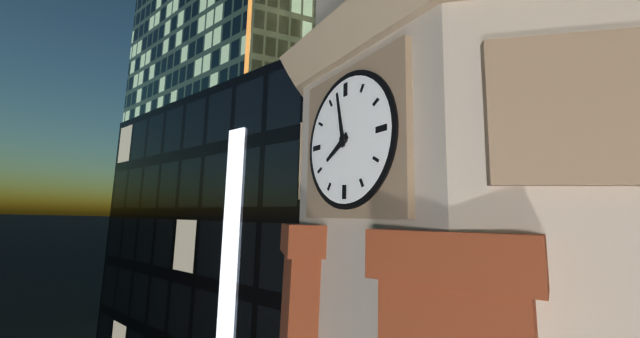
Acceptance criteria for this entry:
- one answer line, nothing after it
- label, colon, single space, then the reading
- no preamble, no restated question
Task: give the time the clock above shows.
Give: 7:58
